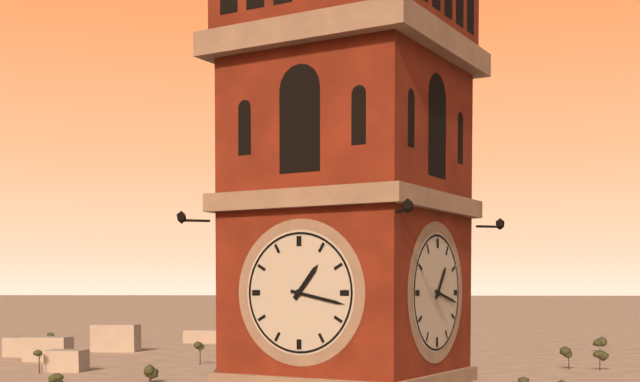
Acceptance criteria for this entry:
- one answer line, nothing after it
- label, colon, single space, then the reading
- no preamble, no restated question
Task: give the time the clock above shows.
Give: 1:17
